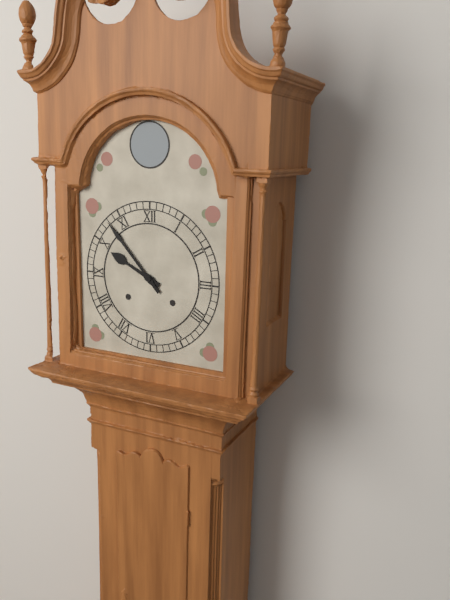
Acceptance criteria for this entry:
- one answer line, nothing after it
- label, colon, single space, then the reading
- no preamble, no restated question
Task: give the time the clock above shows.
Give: 9:53
